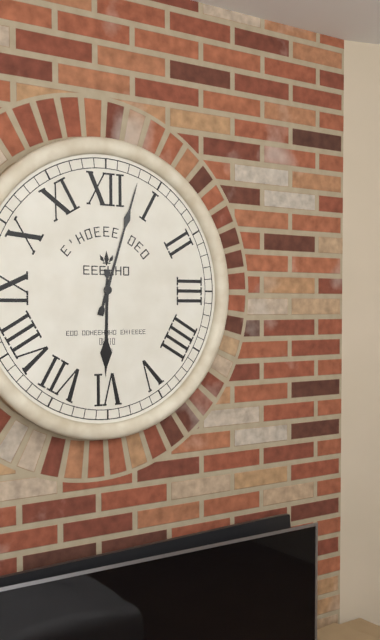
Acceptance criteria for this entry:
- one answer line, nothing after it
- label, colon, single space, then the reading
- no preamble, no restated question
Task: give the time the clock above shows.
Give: 6:03
